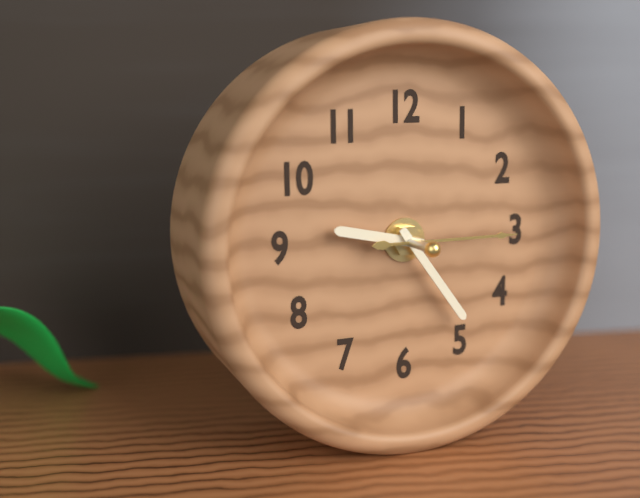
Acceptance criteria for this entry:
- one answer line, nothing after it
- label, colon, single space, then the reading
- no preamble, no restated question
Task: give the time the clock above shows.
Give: 9:24:15
